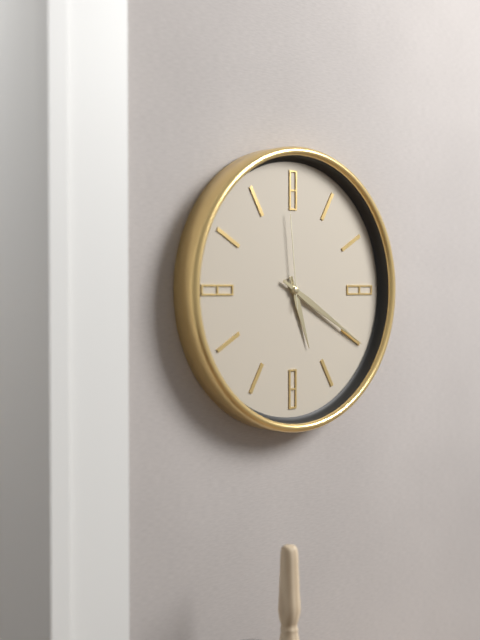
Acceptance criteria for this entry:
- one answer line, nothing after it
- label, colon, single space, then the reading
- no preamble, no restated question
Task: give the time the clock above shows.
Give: 5:20:59
